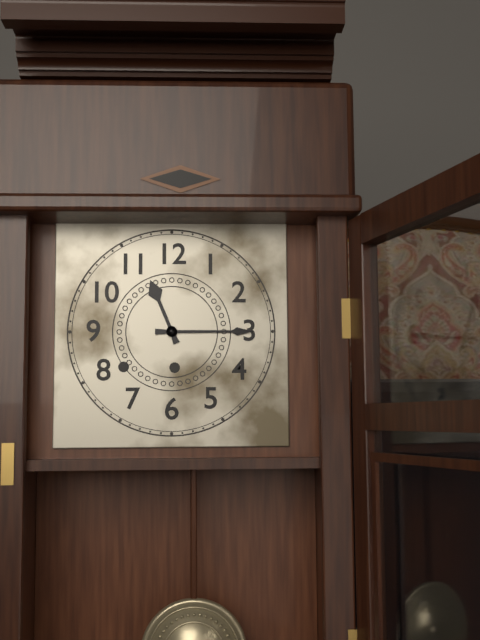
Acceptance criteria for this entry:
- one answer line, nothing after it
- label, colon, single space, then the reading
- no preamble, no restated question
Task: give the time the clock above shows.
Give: 11:15
